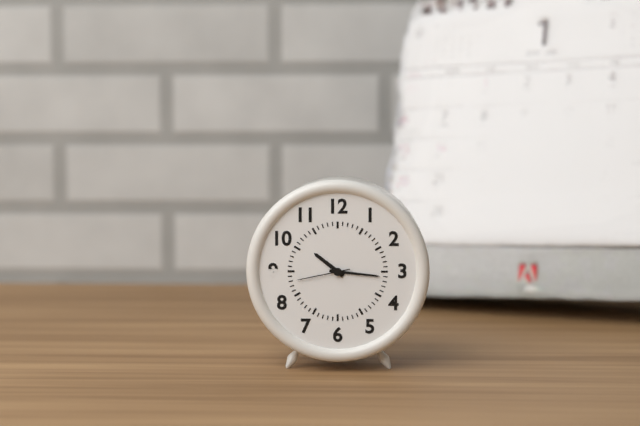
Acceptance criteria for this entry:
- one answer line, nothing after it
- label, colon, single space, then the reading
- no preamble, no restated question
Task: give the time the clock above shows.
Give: 10:16:43
